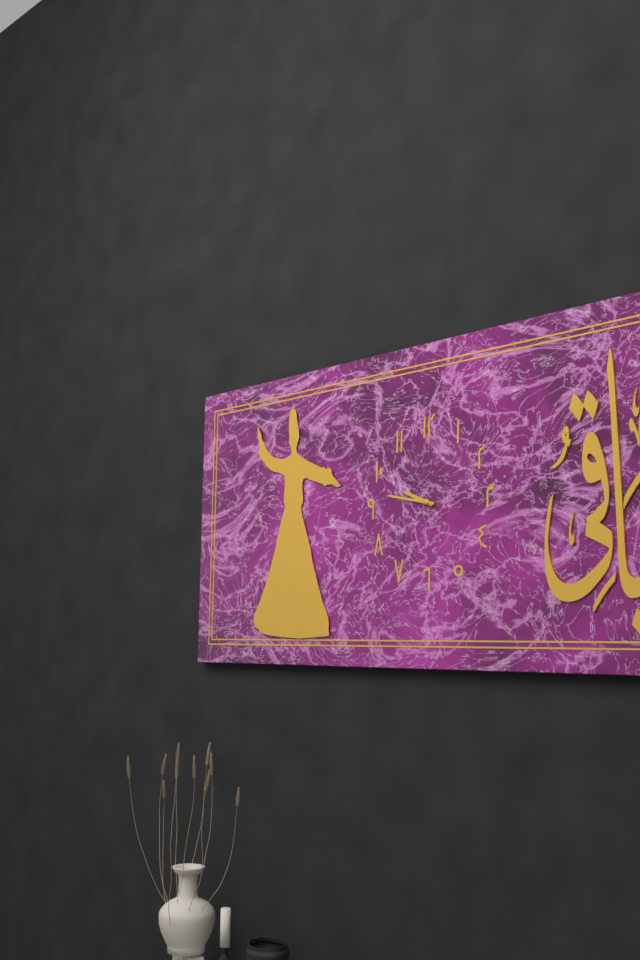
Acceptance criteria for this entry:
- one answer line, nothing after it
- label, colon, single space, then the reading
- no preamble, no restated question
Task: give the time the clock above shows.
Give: 9:47
